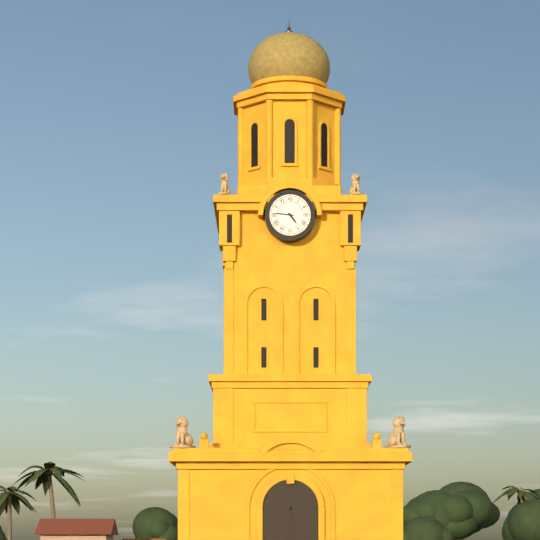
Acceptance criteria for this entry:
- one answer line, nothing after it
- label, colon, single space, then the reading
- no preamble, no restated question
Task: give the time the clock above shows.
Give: 4:46
